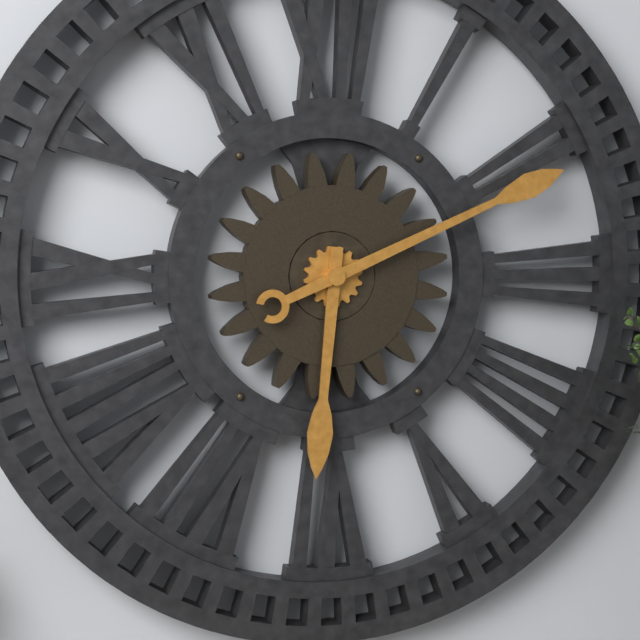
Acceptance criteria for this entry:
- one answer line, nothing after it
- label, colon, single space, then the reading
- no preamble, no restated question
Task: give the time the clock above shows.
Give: 6:11
